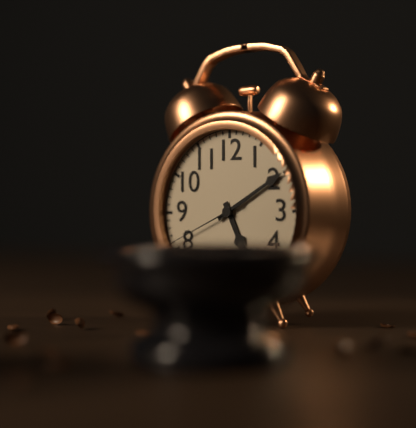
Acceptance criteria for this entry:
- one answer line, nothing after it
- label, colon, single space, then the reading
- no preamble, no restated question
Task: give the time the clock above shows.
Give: 5:10:41
